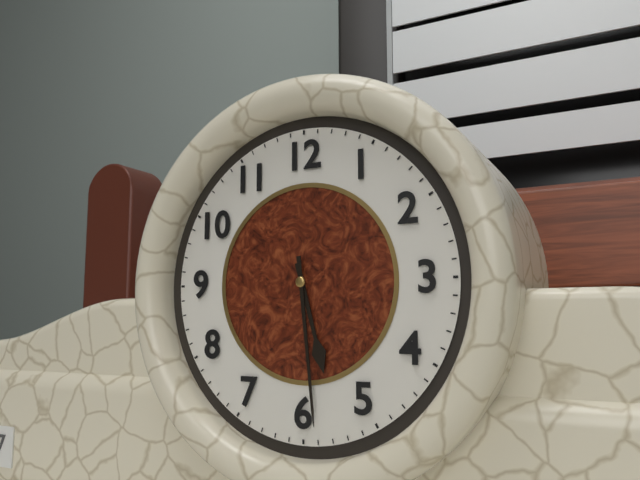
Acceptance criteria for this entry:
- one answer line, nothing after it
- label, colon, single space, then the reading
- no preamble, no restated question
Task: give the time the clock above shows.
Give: 5:29
